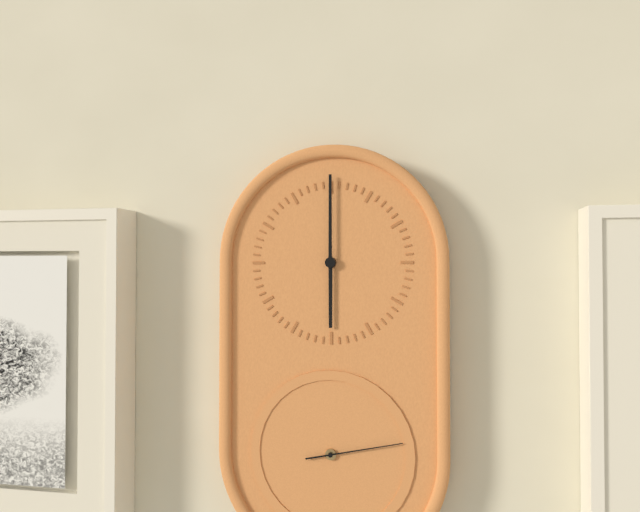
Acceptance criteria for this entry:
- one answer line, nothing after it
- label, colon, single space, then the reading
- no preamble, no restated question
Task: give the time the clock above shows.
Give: 6:00:13
